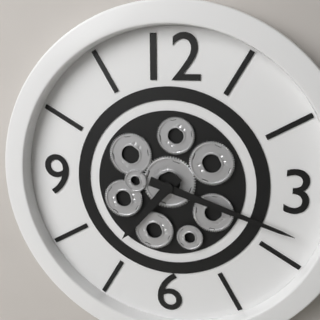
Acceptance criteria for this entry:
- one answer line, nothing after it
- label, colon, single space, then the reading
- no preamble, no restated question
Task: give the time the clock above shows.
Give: 7:18
